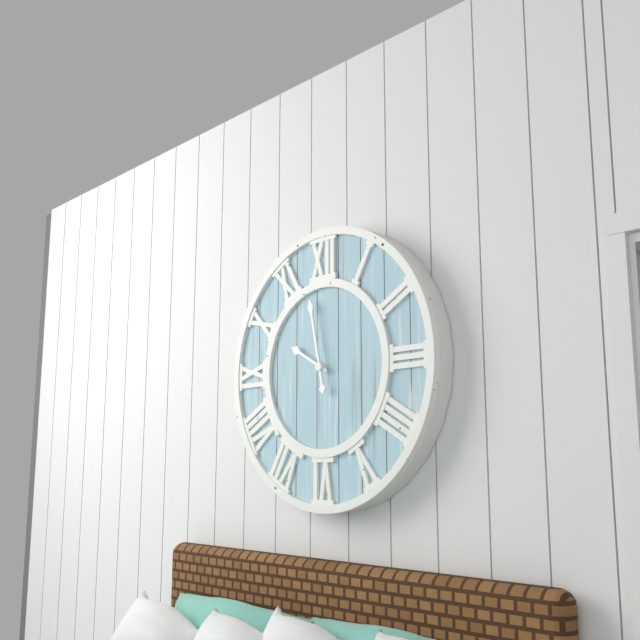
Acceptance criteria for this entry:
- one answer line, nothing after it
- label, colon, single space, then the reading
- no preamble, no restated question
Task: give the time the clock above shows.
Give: 9:58
